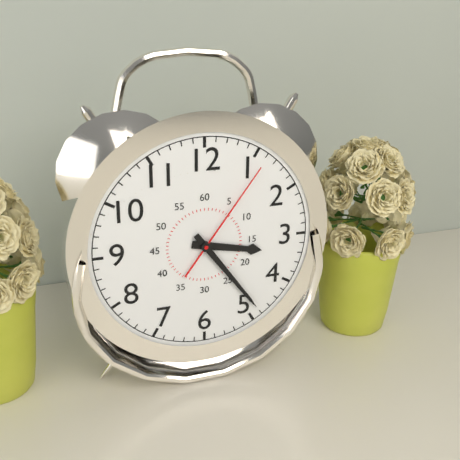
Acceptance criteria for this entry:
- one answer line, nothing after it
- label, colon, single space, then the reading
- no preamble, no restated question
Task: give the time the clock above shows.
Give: 3:24:06
